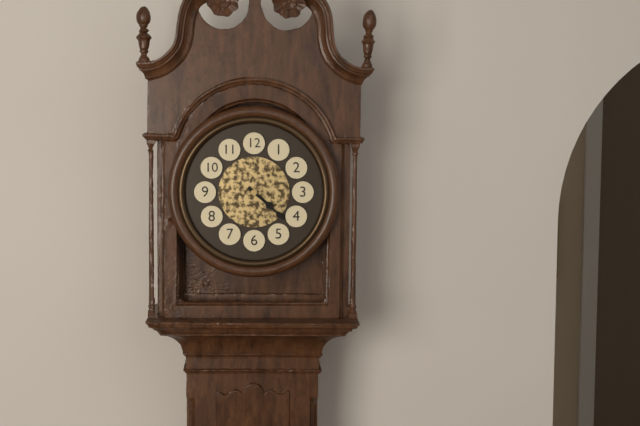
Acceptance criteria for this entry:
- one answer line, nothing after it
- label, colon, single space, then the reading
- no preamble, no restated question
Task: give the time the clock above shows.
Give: 4:22
